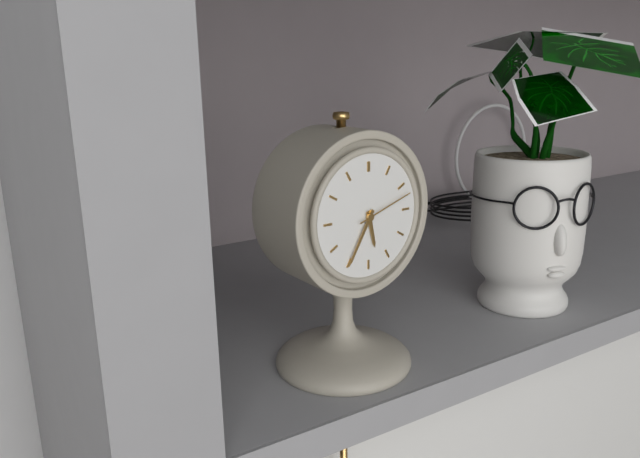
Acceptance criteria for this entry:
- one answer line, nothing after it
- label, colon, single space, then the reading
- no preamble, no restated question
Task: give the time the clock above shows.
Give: 5:35:12
